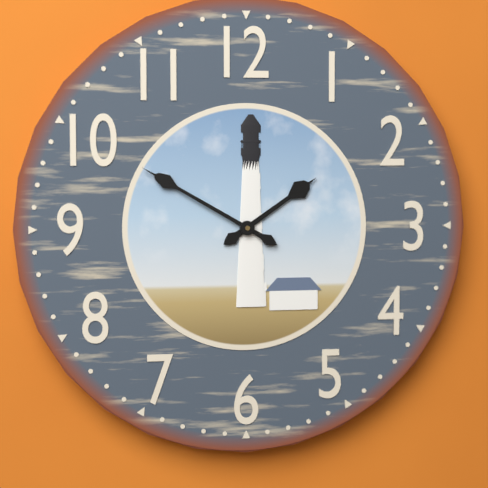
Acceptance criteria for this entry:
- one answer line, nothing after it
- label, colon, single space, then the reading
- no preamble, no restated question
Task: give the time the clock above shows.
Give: 1:50
